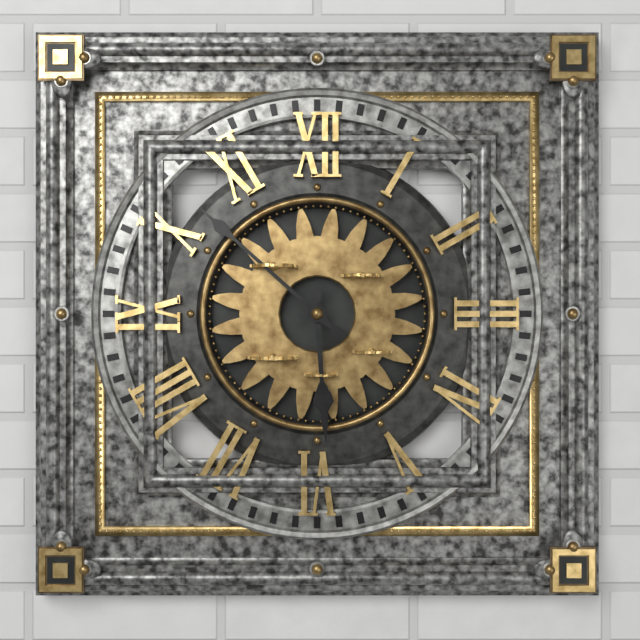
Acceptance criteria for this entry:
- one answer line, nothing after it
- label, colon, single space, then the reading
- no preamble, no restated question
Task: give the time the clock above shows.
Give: 5:52
